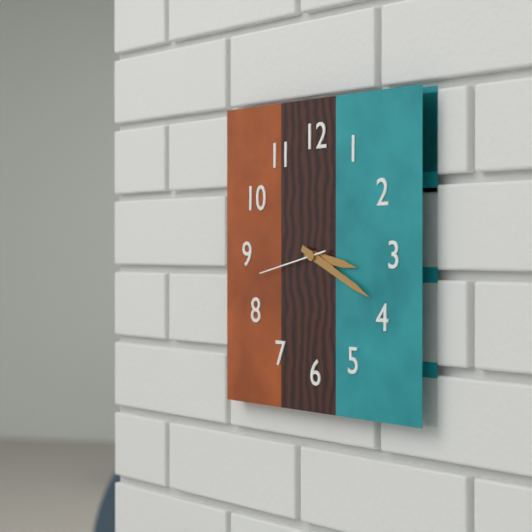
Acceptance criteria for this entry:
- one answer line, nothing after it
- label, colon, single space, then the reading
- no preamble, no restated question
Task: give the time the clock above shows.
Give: 3:19:43
